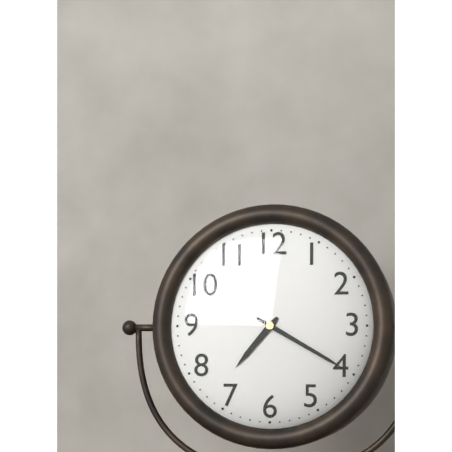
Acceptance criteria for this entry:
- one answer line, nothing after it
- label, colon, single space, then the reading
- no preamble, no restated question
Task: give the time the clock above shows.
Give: 7:20
